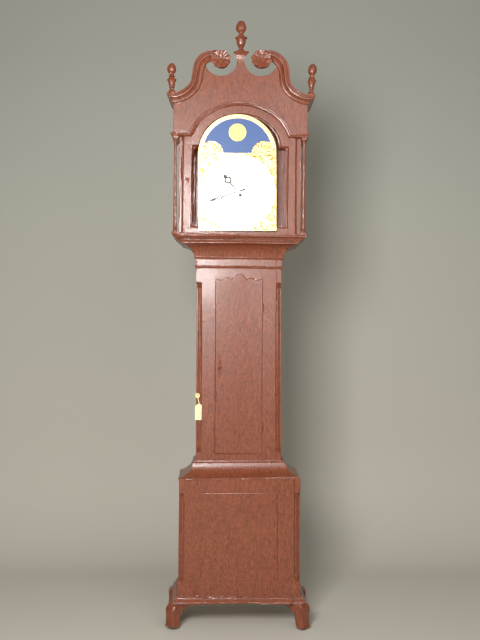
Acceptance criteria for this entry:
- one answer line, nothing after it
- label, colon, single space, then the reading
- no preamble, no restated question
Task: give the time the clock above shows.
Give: 10:42
